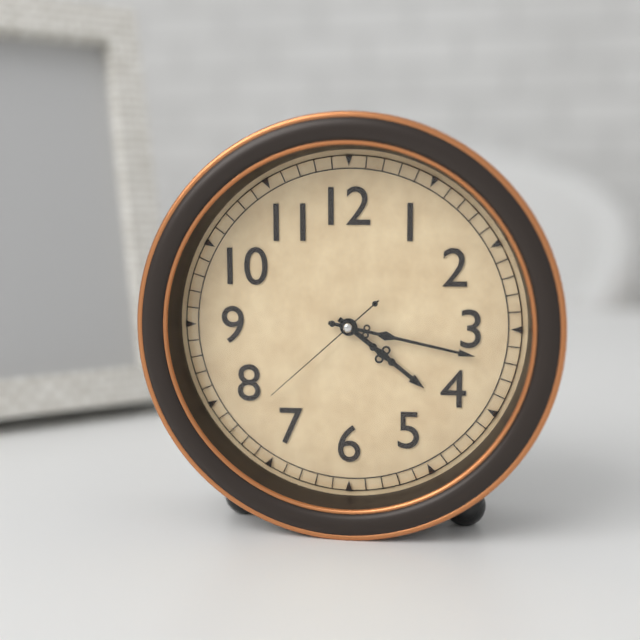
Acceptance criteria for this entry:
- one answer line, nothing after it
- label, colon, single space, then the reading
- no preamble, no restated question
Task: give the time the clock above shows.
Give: 4:17:38
